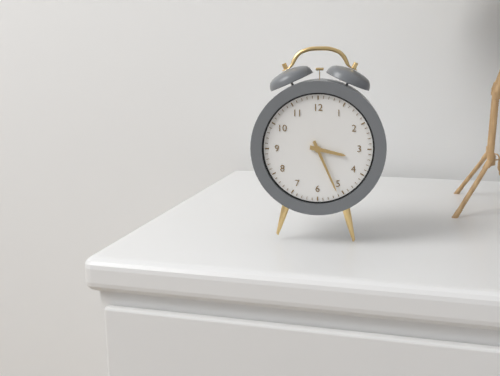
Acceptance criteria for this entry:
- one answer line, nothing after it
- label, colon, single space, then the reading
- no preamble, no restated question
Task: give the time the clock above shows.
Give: 3:26
